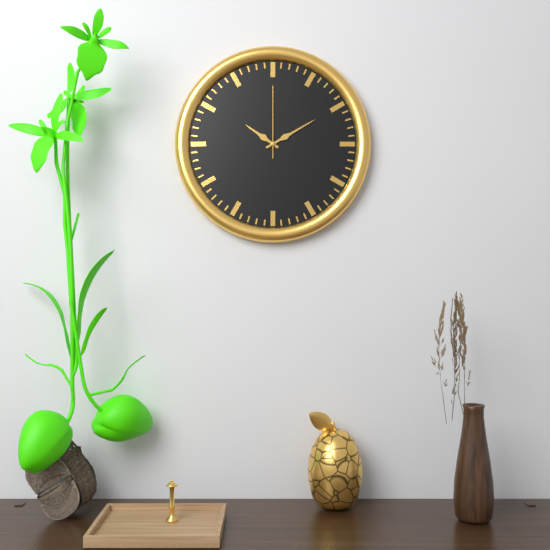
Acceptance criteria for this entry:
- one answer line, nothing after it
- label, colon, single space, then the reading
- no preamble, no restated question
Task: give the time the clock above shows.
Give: 10:10:00
